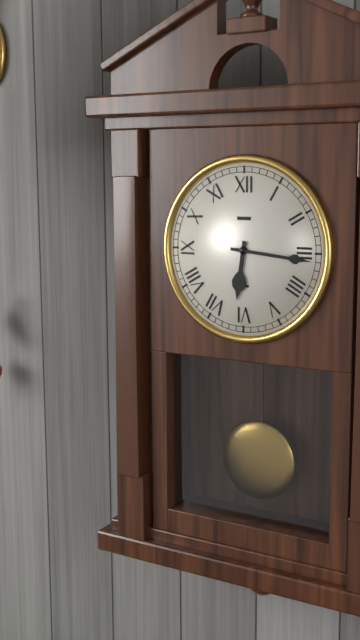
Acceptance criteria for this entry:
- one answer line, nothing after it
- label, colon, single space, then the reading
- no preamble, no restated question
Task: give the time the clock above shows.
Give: 6:16
